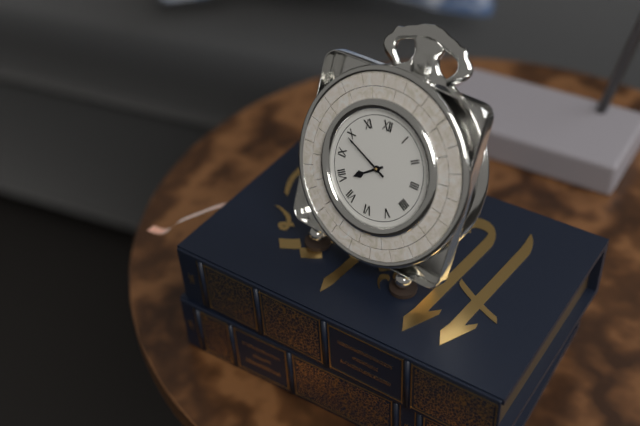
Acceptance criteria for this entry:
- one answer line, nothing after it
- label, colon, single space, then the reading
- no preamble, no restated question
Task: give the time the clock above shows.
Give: 7:49
